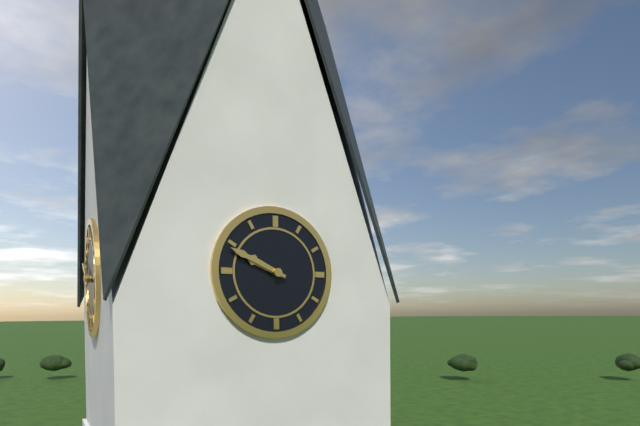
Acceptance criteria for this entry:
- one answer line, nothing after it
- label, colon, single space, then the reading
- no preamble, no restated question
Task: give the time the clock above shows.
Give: 9:49
